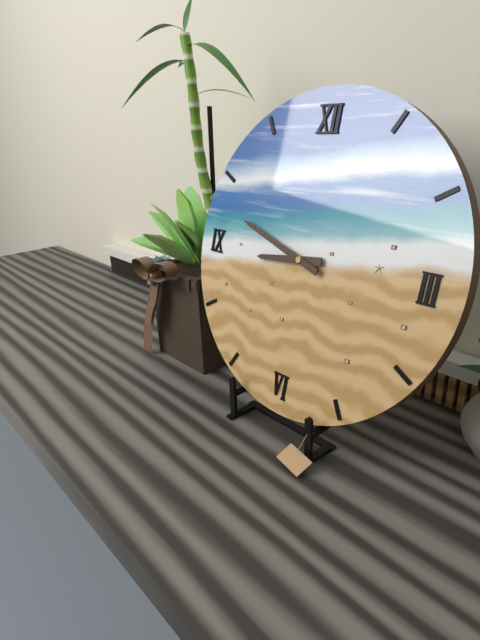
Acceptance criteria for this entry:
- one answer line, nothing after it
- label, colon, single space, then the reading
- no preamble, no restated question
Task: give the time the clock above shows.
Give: 8:48
